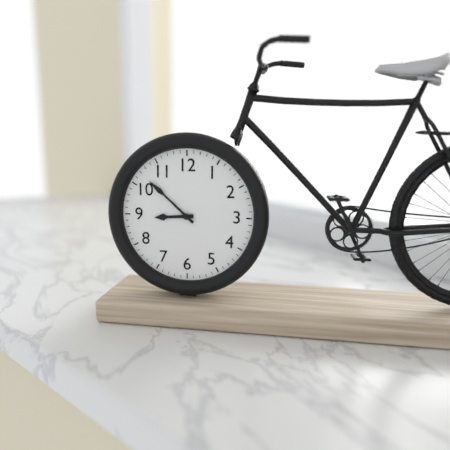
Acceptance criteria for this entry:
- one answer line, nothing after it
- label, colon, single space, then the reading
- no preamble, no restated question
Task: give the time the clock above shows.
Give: 8:52
